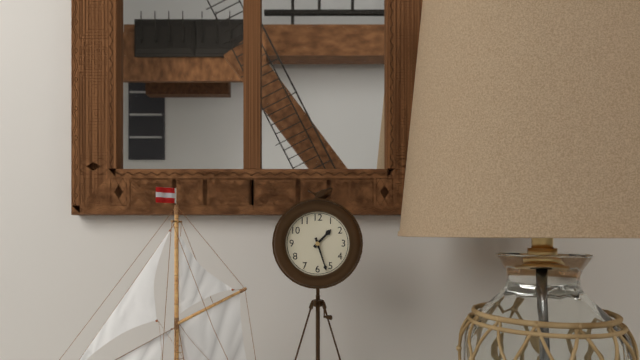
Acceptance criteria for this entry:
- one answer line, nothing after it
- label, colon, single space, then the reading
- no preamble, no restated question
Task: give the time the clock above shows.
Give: 1:27
